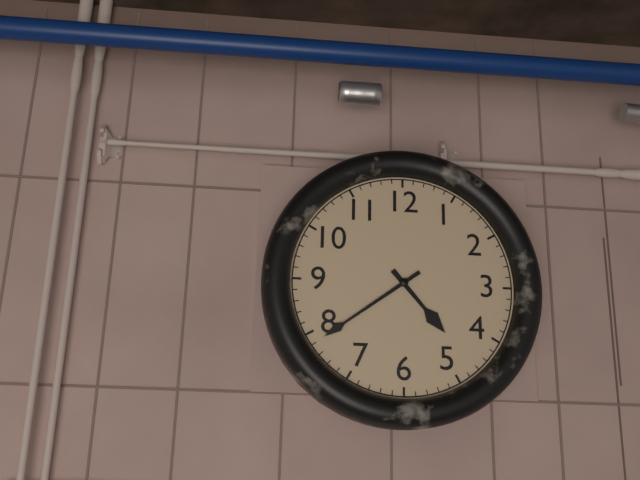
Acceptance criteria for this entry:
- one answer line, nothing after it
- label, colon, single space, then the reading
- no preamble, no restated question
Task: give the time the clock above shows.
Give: 4:39
